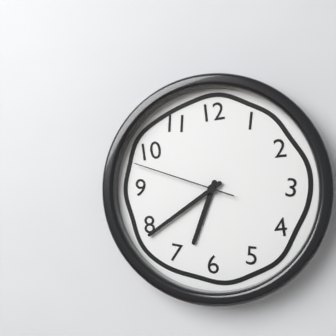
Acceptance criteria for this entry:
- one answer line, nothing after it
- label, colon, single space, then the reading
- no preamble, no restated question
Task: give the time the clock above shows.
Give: 6:39:48
